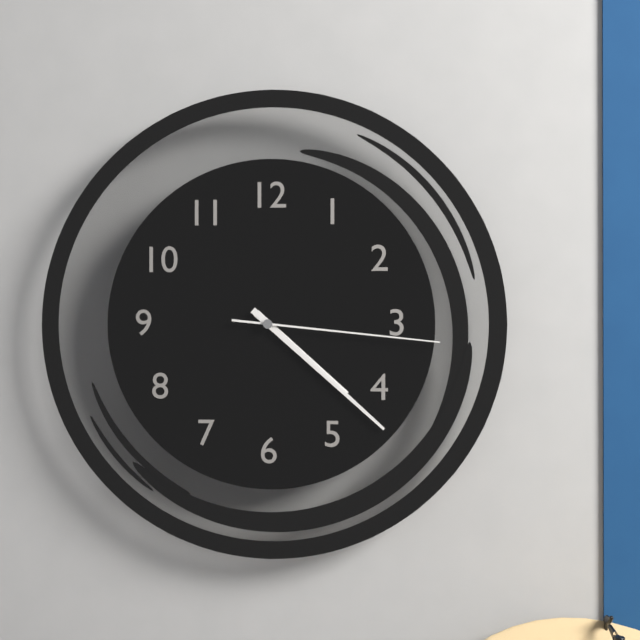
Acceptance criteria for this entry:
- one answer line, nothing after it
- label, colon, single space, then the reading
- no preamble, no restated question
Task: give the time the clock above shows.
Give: 4:22:16
